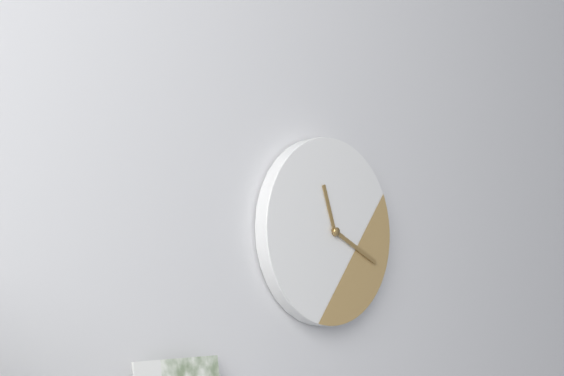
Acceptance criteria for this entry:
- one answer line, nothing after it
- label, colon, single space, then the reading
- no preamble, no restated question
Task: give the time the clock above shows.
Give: 11:19
